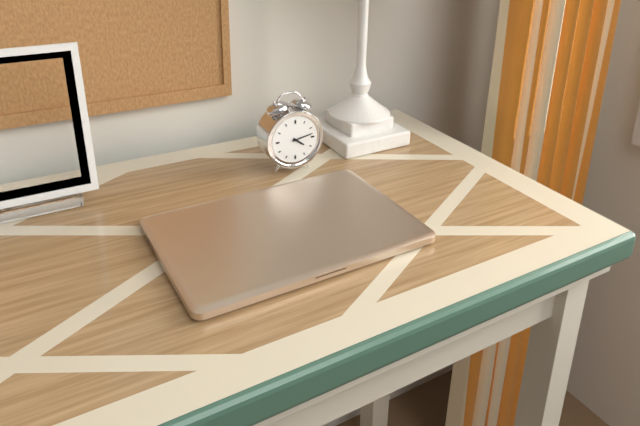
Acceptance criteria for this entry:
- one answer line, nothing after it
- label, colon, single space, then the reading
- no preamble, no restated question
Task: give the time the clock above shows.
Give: 4:13
